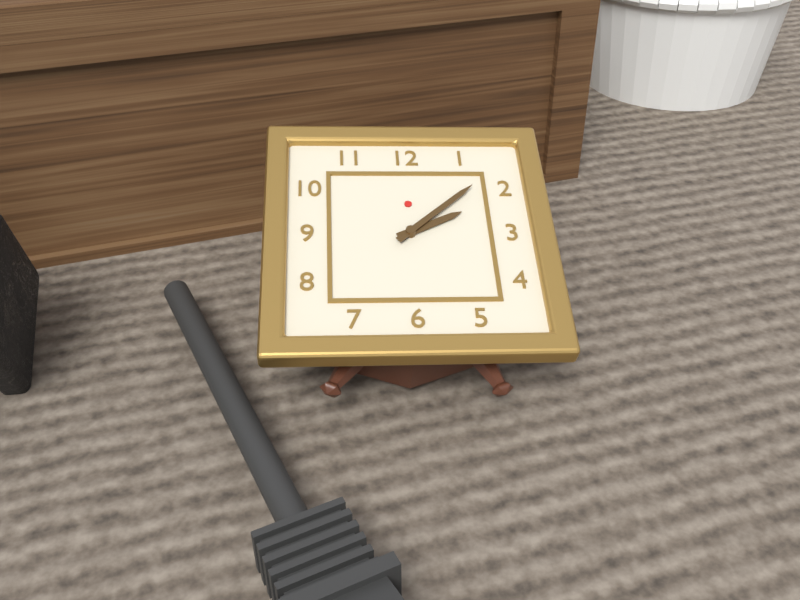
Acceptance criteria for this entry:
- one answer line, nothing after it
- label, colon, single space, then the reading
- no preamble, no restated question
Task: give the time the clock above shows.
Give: 2:08
